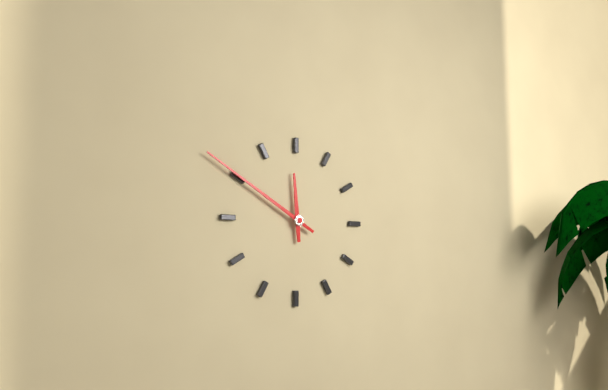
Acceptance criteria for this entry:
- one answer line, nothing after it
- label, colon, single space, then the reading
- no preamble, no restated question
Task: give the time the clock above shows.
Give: 11:50
